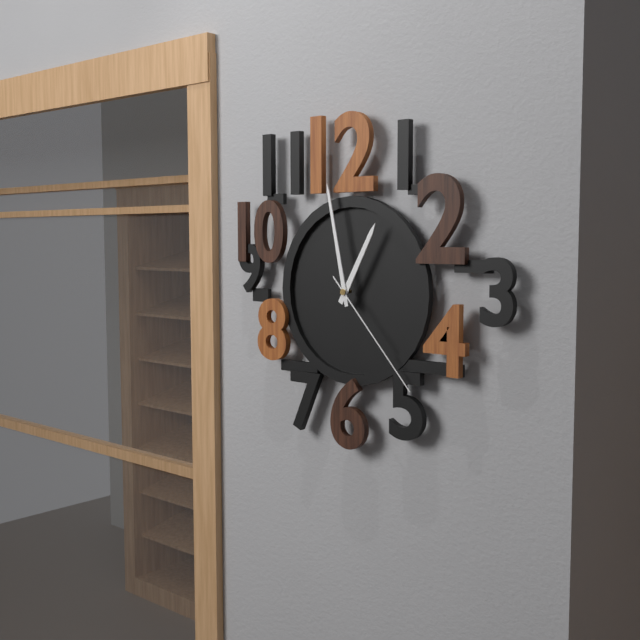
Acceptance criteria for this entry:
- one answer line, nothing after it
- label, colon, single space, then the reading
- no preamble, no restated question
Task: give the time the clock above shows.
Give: 12:58:23
